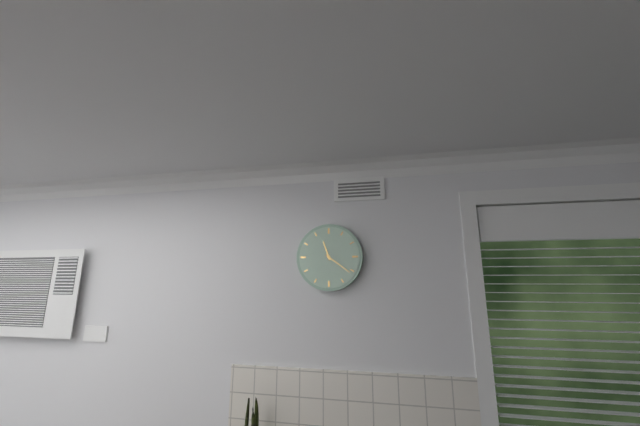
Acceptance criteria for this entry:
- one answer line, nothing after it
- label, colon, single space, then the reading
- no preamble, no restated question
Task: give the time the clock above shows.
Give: 11:21
